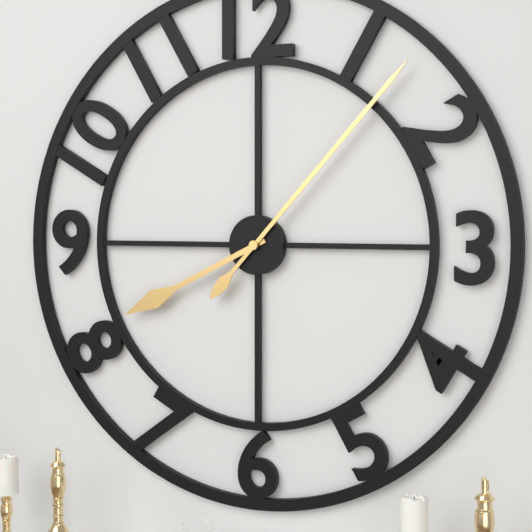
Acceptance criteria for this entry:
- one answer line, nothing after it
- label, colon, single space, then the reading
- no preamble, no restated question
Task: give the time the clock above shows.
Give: 8:07
